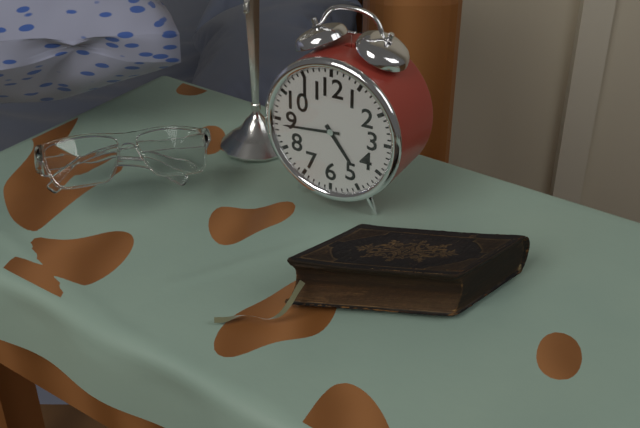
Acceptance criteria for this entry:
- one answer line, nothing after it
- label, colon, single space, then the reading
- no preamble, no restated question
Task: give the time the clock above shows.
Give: 4:44
